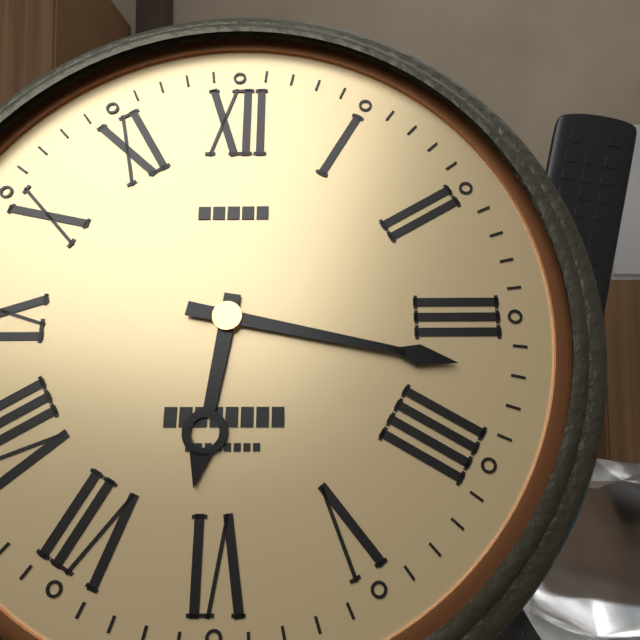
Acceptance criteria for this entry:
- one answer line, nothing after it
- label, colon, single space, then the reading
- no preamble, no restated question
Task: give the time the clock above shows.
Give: 6:17
